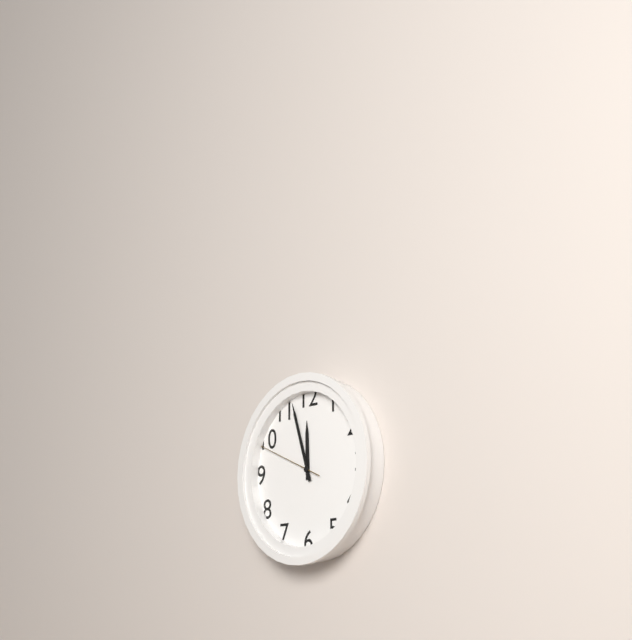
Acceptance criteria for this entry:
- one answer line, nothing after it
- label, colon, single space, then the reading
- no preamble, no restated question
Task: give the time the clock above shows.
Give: 11:57:49
